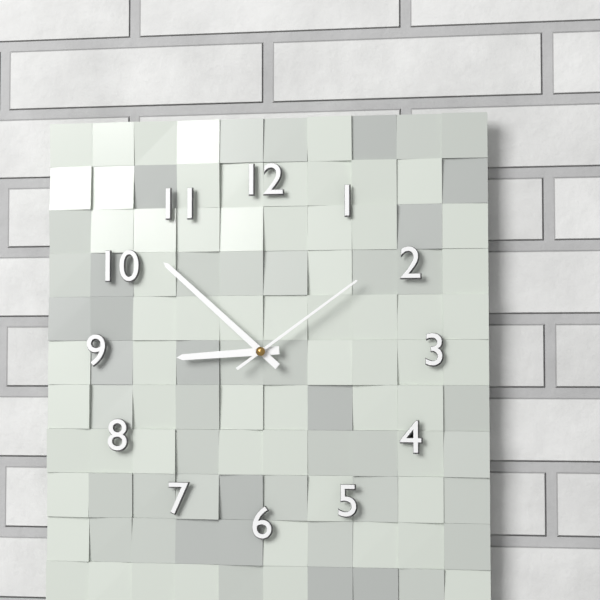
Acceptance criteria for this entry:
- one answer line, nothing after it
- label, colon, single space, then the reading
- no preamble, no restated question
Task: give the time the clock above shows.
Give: 8:52:09
